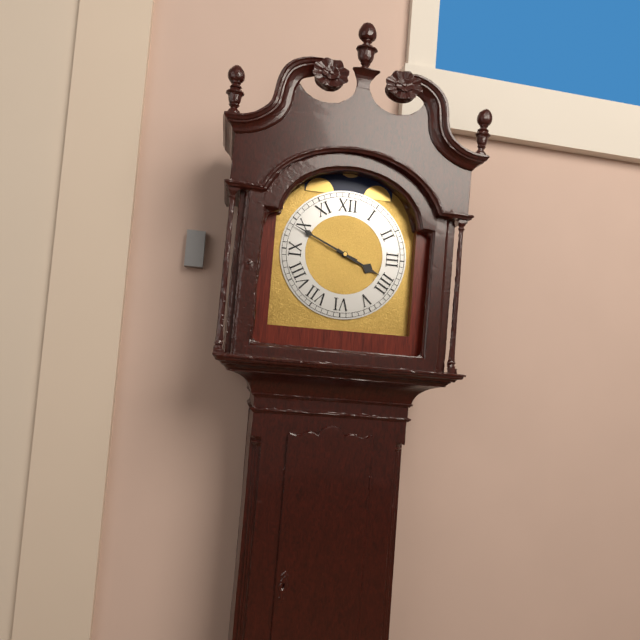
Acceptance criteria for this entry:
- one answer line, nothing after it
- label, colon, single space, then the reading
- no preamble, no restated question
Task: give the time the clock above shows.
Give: 3:49
